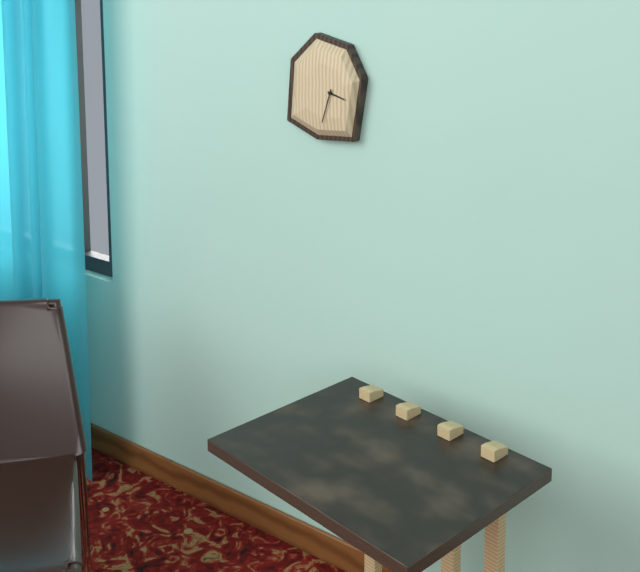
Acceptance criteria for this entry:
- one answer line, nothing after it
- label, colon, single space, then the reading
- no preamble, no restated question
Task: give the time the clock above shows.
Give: 3:33
